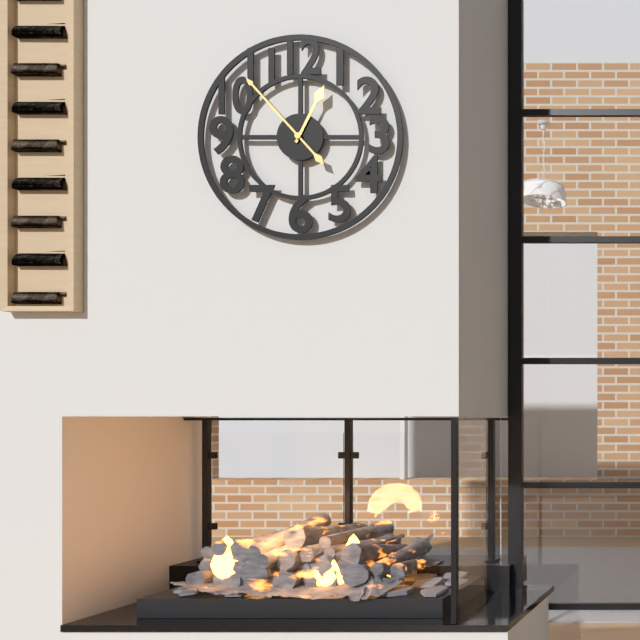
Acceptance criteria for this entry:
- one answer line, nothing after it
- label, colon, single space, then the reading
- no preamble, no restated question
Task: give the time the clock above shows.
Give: 12:53
